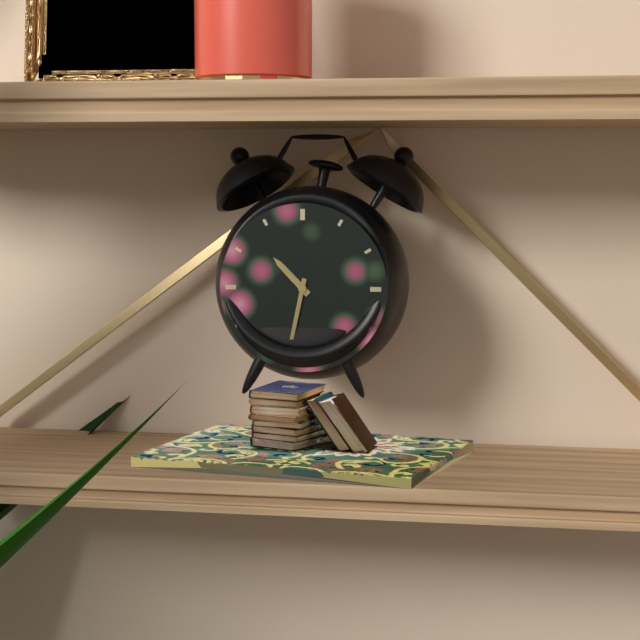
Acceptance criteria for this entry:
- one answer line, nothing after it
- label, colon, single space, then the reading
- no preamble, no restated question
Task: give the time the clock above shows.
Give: 10:32
